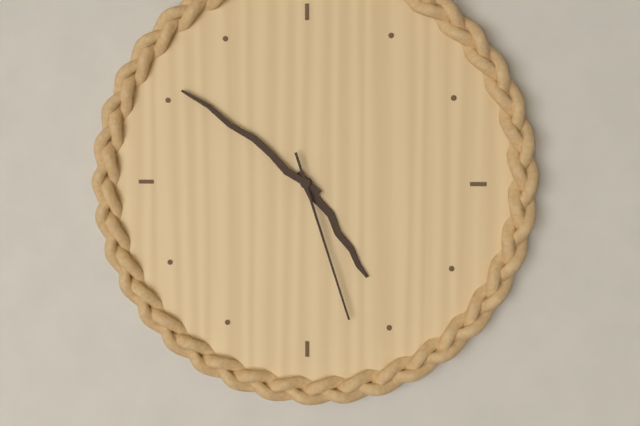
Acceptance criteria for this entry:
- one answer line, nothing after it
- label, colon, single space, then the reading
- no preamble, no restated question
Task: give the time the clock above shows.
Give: 4:51:27
